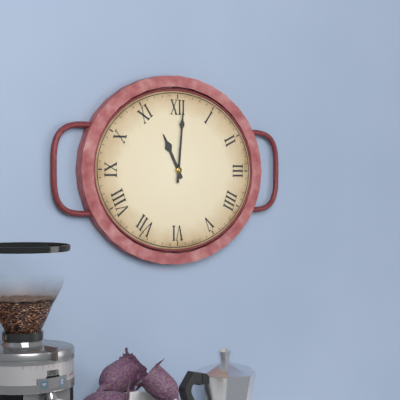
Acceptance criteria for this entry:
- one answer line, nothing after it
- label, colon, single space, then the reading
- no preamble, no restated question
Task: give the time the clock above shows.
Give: 11:01
